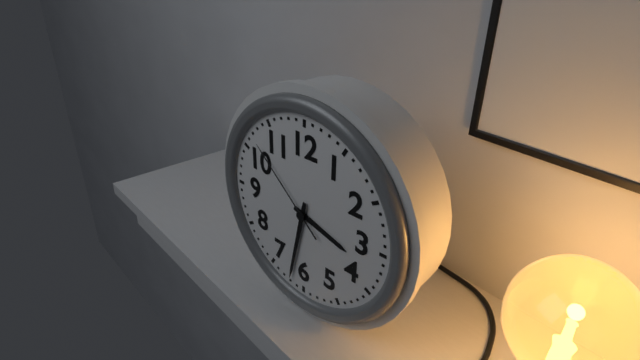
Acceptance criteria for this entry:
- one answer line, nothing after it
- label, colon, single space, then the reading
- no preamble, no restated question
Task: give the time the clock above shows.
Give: 3:32:52
